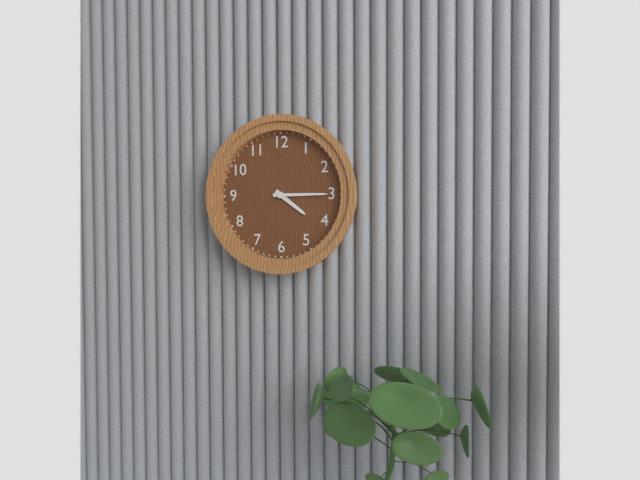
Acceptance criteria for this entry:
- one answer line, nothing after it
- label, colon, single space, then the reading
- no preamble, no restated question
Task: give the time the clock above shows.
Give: 4:15
